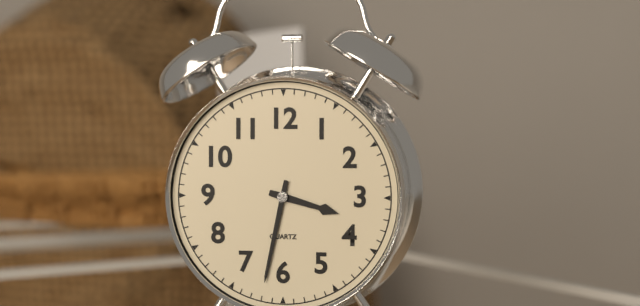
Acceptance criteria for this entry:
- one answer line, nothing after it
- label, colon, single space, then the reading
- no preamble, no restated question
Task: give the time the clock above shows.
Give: 3:32
